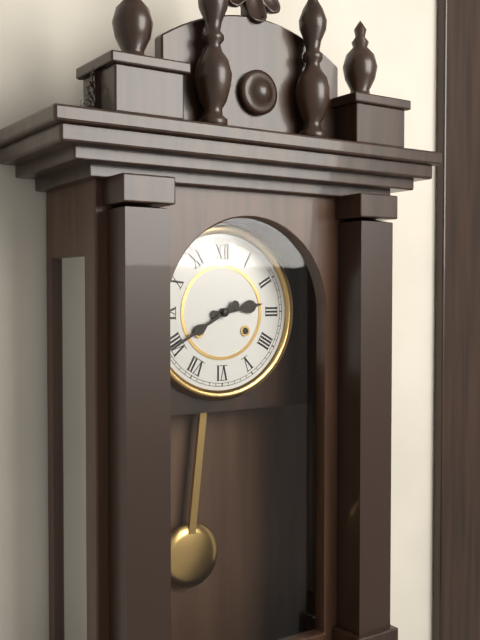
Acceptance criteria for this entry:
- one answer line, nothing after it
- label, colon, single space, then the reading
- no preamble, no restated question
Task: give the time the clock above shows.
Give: 2:40
